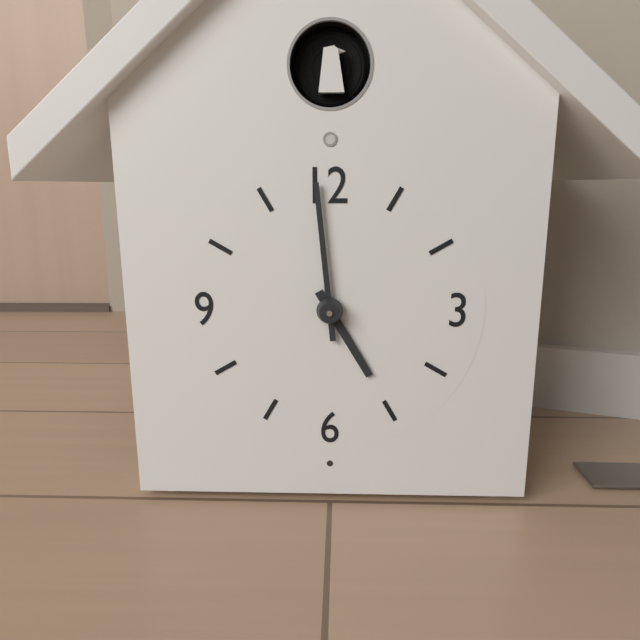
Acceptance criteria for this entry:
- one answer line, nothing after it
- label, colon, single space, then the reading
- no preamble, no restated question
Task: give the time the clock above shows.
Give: 4:59
